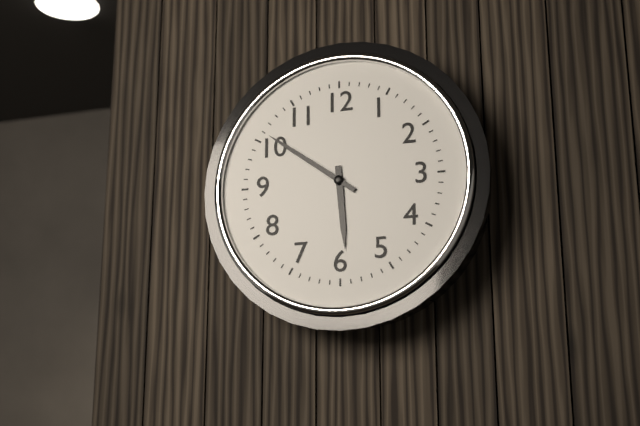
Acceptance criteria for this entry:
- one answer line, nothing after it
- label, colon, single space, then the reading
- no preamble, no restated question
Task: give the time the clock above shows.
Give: 5:51
